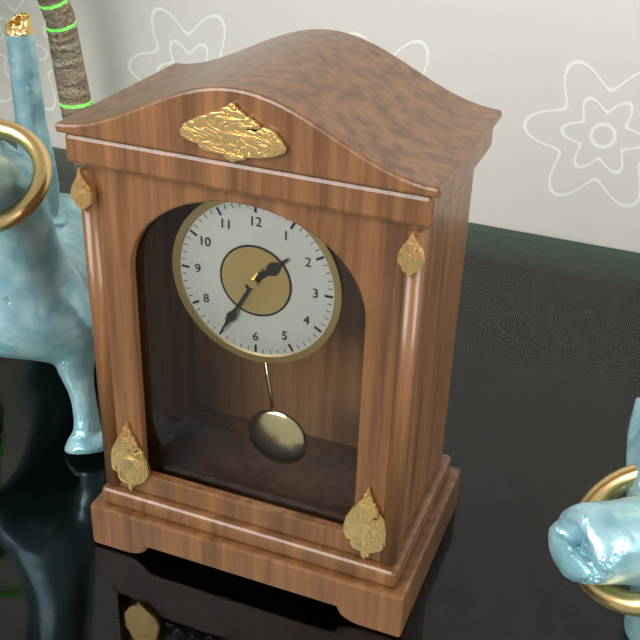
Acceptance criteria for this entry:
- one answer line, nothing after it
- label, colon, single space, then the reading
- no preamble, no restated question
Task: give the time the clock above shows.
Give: 1:35
